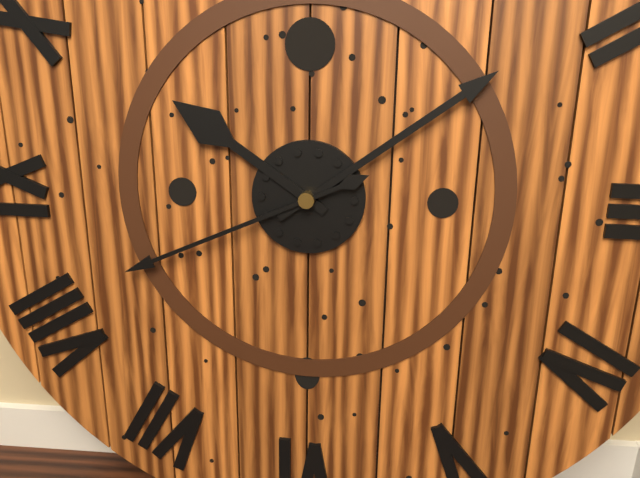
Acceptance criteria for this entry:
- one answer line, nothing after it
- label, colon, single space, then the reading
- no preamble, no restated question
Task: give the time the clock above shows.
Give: 10:09:41
